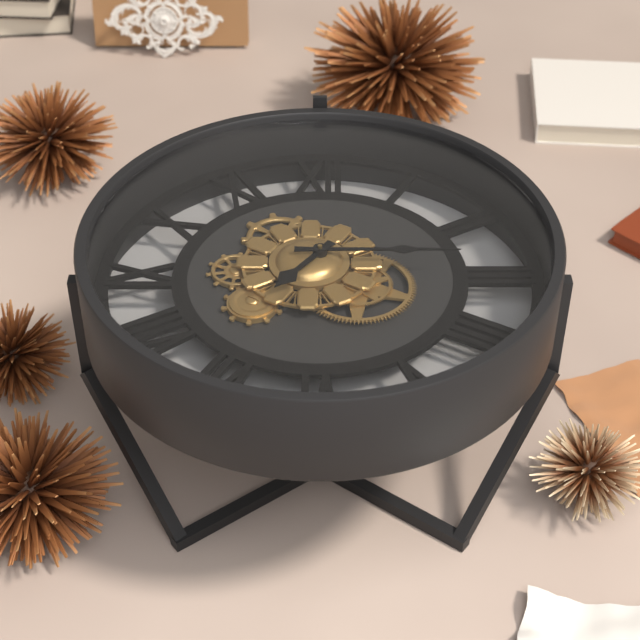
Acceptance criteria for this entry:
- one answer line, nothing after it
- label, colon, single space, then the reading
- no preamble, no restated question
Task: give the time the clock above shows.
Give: 7:15
